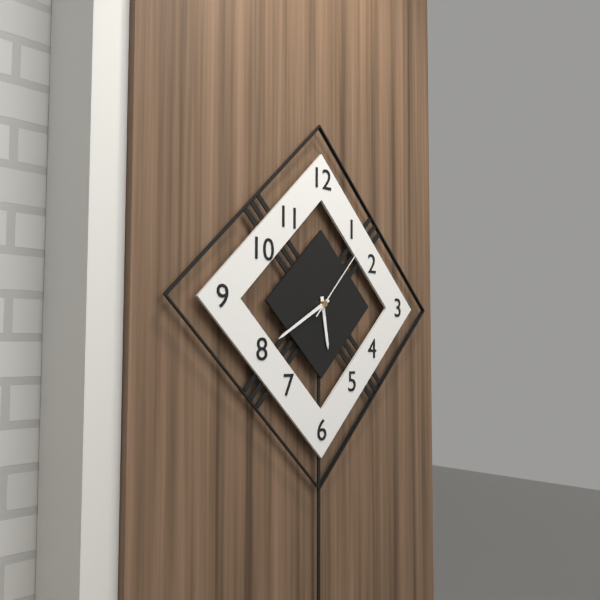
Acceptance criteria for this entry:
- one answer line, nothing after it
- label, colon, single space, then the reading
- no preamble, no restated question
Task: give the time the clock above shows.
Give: 5:40:07
